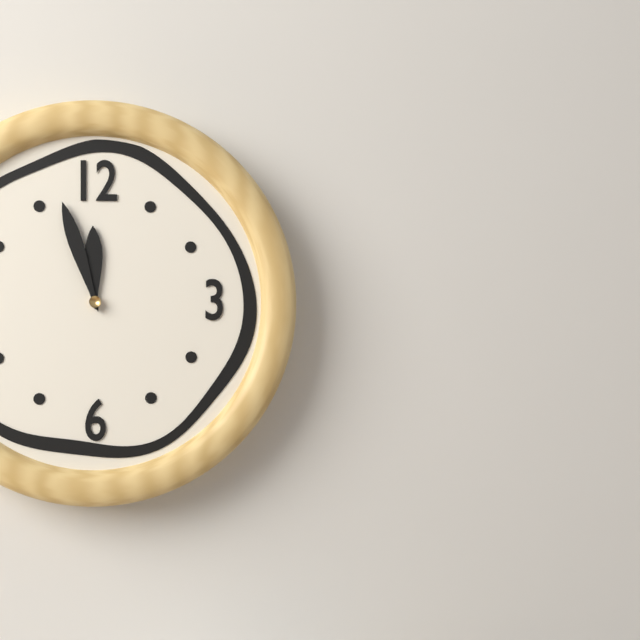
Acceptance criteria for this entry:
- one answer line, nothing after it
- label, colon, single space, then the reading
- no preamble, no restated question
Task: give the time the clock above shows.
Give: 11:57
